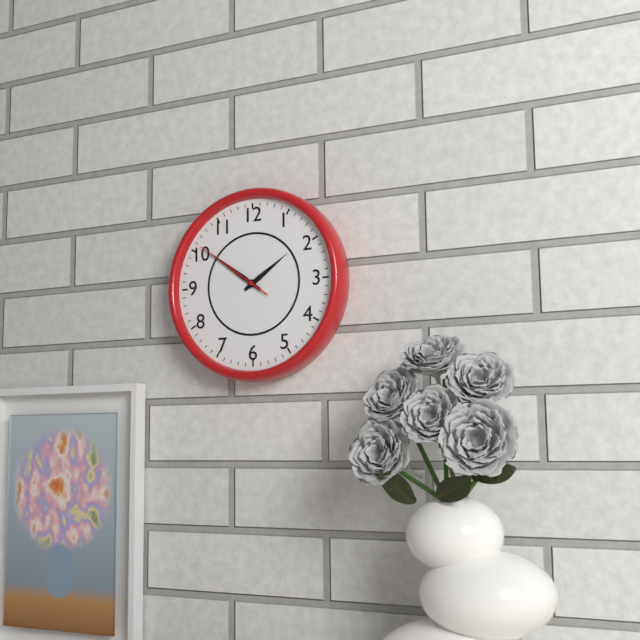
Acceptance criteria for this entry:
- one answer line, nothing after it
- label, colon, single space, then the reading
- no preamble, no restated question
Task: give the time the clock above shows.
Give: 1:51:51
